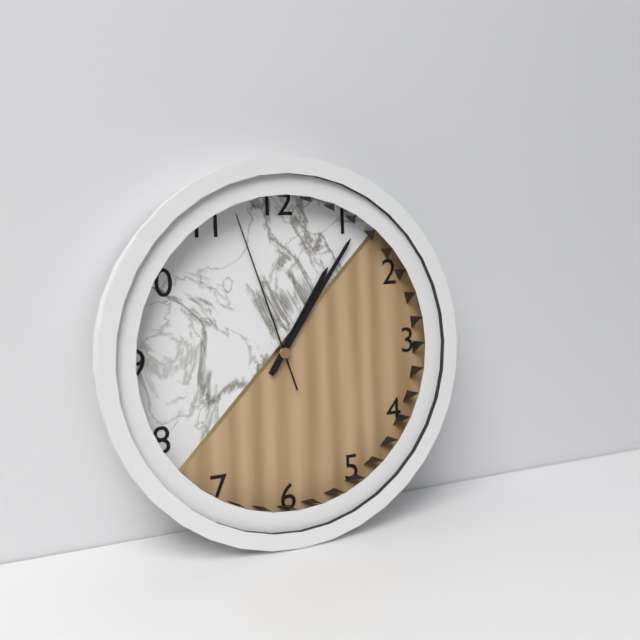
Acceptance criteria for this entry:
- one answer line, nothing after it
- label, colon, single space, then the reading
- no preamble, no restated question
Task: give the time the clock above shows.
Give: 1:06:57
